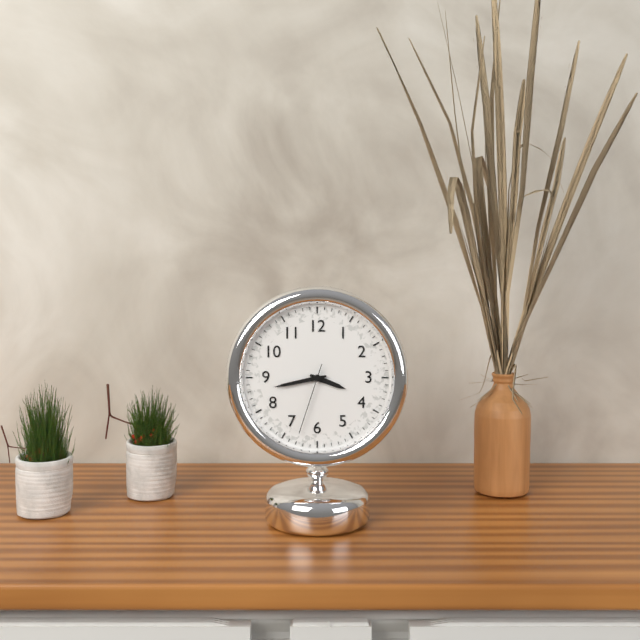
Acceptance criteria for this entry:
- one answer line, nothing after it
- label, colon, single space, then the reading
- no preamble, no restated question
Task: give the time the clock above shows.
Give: 3:43:33
